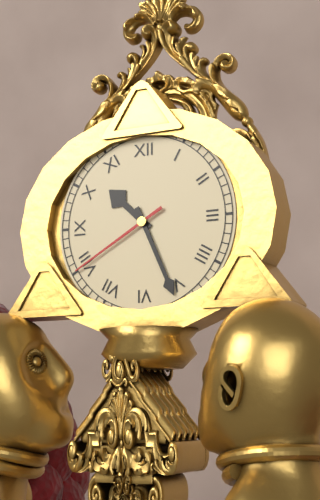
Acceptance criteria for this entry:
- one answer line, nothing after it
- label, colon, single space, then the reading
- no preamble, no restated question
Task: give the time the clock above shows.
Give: 10:26:40
